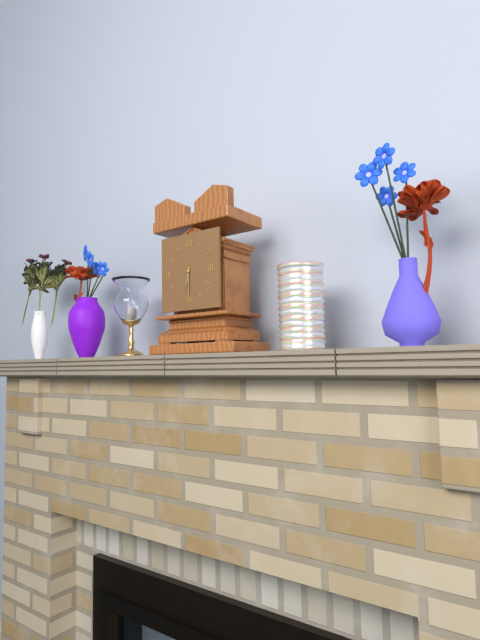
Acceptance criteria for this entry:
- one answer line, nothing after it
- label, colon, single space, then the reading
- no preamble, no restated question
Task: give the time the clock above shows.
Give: 6:30
